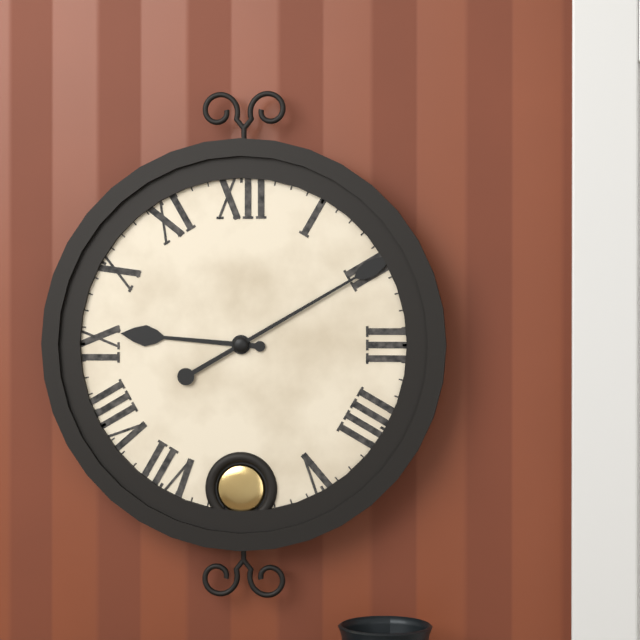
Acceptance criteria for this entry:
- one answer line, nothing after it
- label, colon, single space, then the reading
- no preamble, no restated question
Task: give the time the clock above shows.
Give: 9:10
